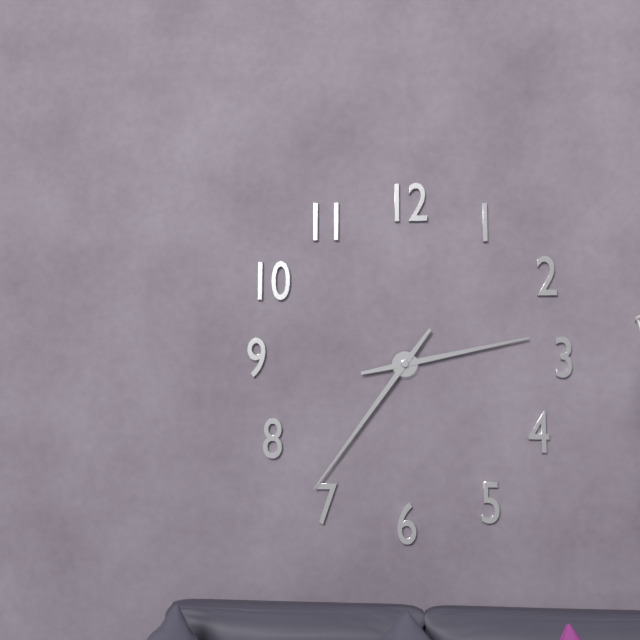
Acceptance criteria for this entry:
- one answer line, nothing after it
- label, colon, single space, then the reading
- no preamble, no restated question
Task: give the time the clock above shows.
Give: 2:36
